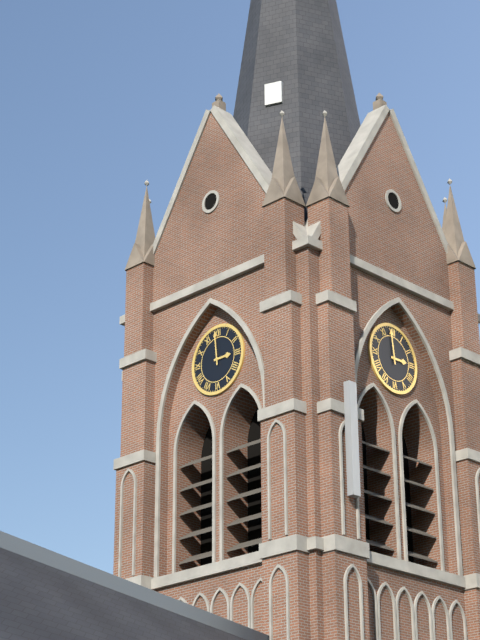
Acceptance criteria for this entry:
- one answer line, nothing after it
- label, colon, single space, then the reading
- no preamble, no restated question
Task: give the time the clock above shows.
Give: 2:59
